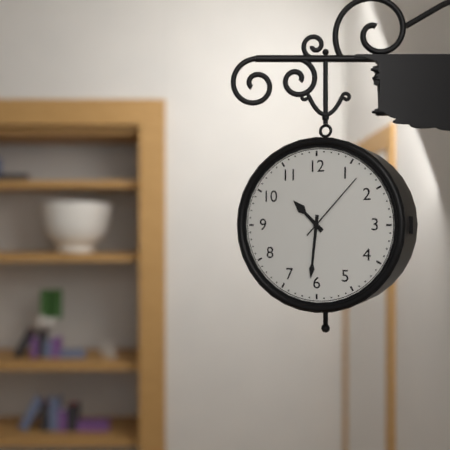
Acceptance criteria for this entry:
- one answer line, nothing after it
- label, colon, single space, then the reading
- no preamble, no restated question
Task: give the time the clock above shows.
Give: 10:31:07
